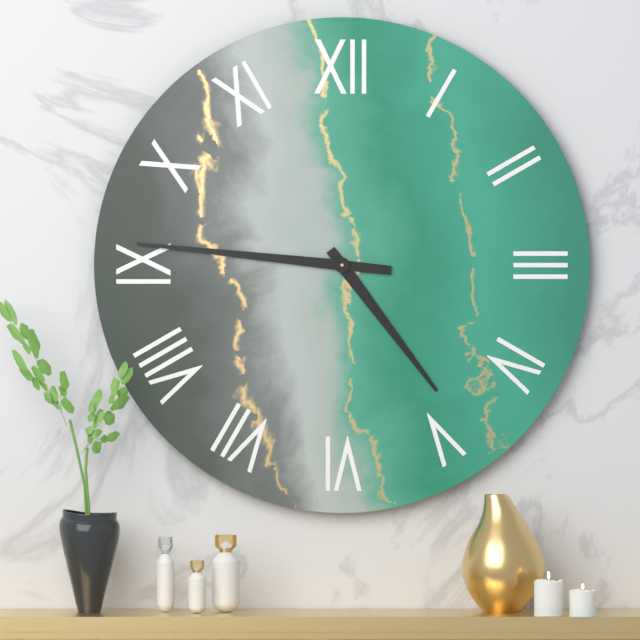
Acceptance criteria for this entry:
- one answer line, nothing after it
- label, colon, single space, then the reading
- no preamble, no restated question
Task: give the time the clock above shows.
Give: 4:46
